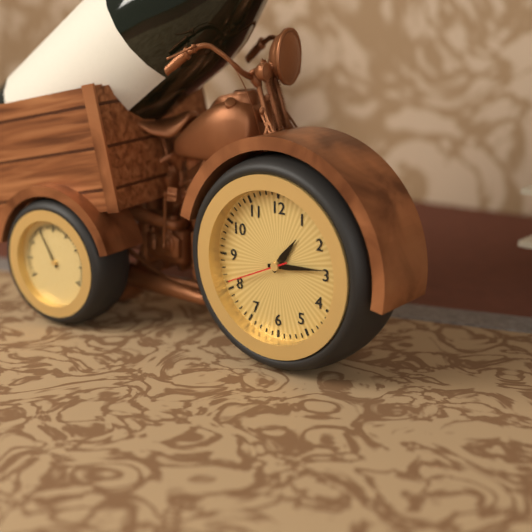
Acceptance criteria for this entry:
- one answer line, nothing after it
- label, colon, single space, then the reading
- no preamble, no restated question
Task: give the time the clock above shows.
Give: 1:14:41
